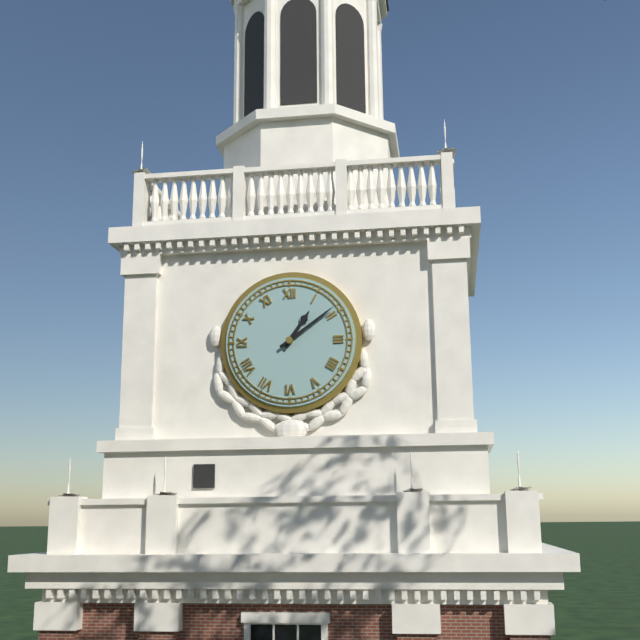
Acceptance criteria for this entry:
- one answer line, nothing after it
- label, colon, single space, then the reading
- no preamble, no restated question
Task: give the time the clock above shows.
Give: 1:09
